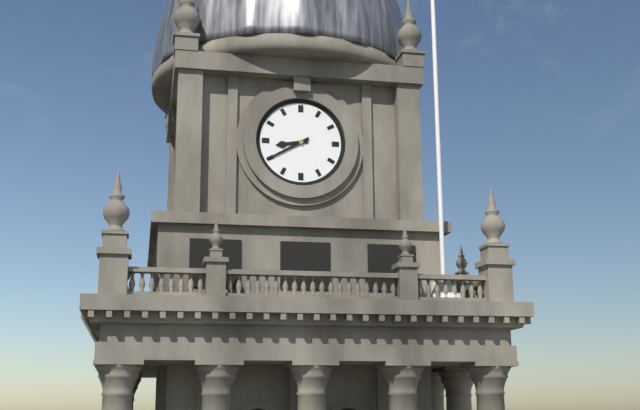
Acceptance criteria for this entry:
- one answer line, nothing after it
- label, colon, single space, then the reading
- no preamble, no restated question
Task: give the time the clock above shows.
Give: 8:40
